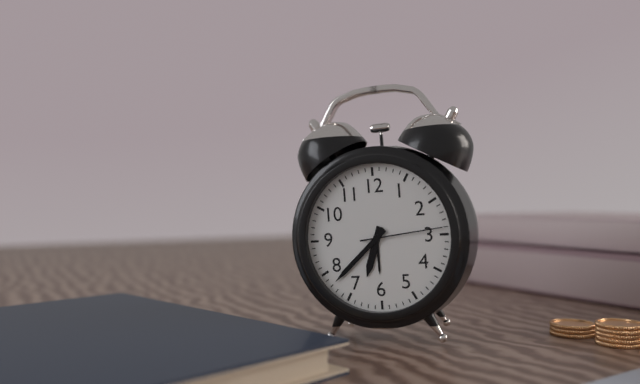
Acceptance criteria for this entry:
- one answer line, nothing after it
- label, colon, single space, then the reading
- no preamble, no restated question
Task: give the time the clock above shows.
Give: 6:38:14
